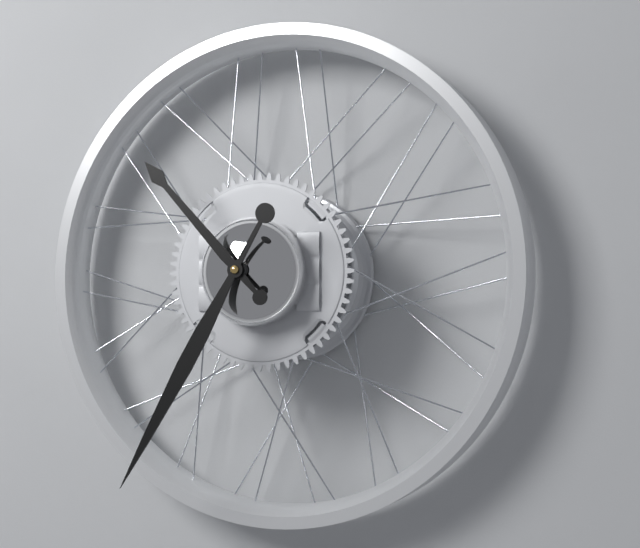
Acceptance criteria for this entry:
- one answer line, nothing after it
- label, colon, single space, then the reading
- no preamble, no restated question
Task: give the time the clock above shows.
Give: 10:35
